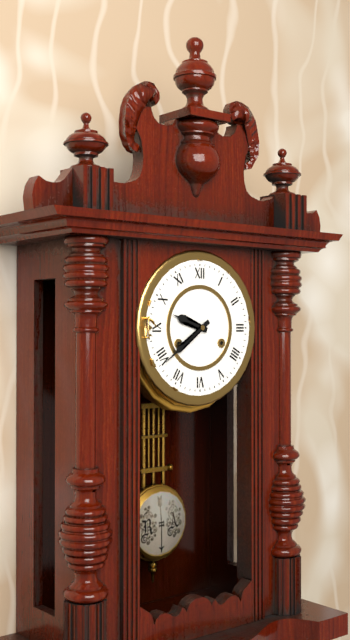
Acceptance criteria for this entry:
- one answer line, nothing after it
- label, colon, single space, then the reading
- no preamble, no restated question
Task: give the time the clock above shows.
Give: 9:39
